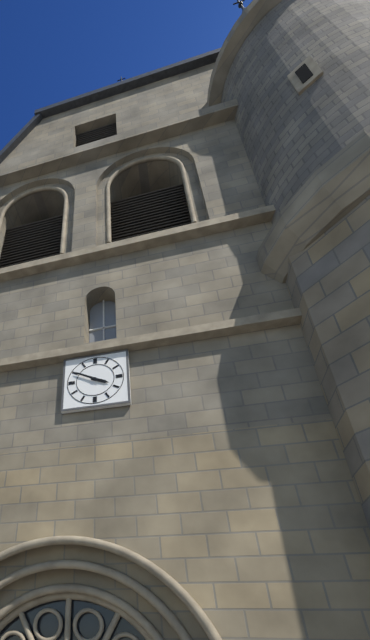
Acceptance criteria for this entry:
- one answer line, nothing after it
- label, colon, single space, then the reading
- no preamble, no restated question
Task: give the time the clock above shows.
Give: 3:50
